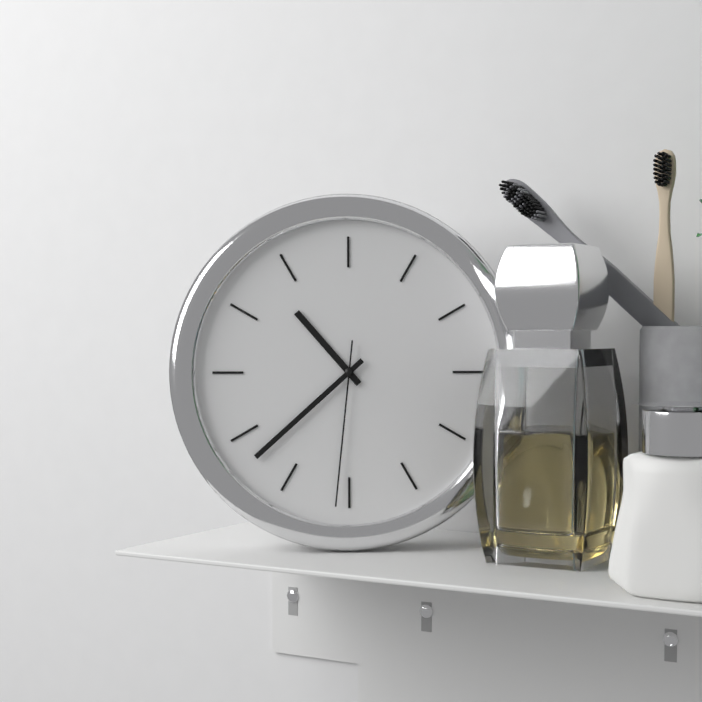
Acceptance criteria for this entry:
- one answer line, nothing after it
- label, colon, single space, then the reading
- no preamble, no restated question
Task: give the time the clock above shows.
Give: 10:38:31
